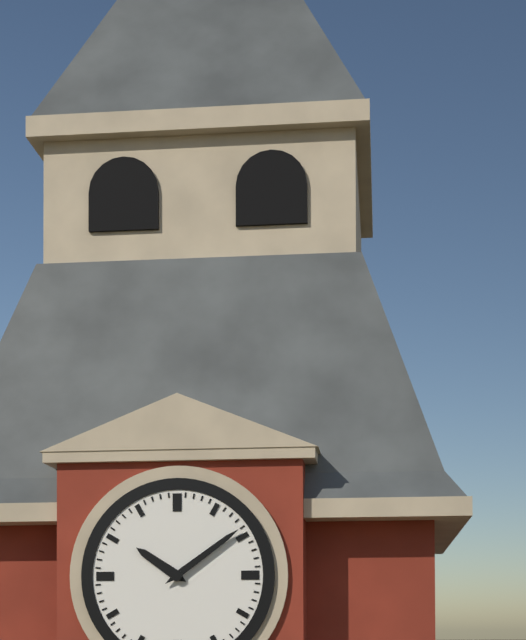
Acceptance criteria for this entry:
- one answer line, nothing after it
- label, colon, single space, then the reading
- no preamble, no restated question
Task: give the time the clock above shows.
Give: 10:09
